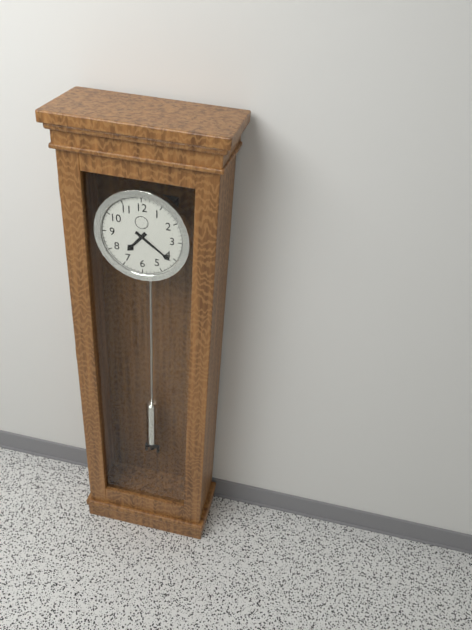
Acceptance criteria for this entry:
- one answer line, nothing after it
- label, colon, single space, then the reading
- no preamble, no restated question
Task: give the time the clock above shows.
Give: 7:21
